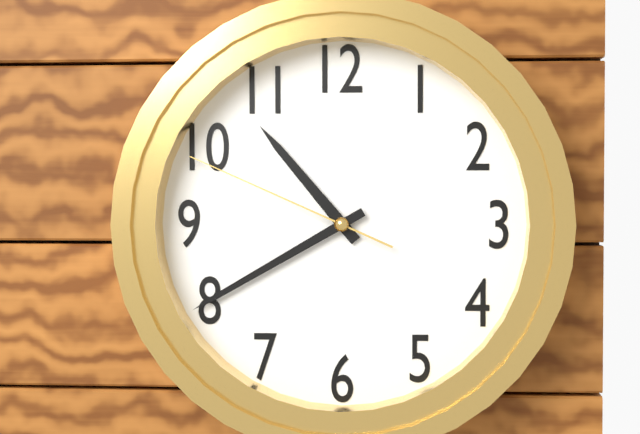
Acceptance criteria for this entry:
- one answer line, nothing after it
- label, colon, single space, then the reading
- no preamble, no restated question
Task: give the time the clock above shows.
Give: 10:40:49
